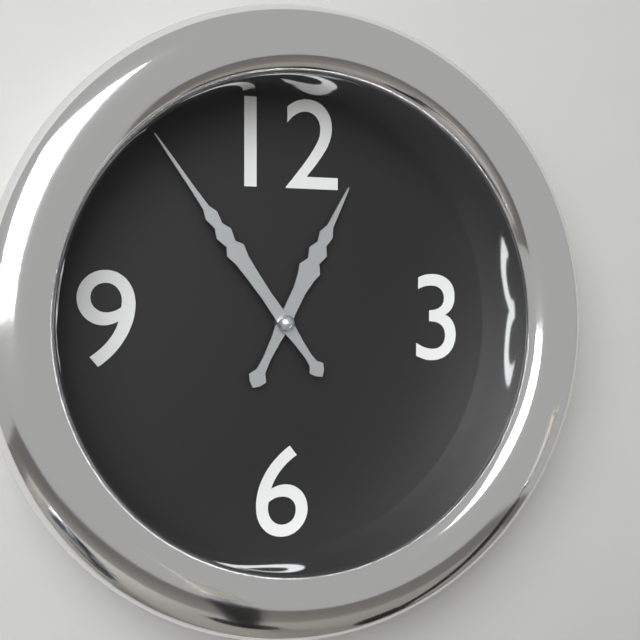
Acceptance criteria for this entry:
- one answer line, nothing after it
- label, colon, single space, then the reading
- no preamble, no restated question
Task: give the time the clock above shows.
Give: 12:54
